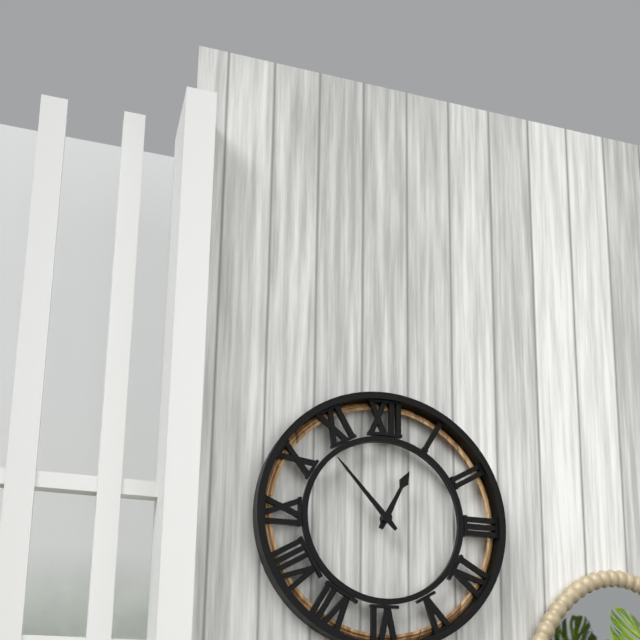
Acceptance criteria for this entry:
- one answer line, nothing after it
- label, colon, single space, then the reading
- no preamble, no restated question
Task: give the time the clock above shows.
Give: 12:53
